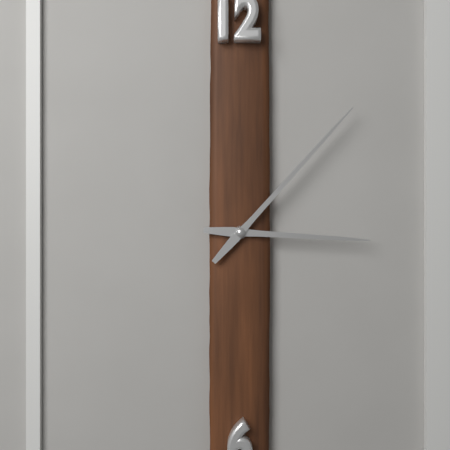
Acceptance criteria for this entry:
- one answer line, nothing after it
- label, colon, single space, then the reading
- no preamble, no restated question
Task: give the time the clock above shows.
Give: 3:07
